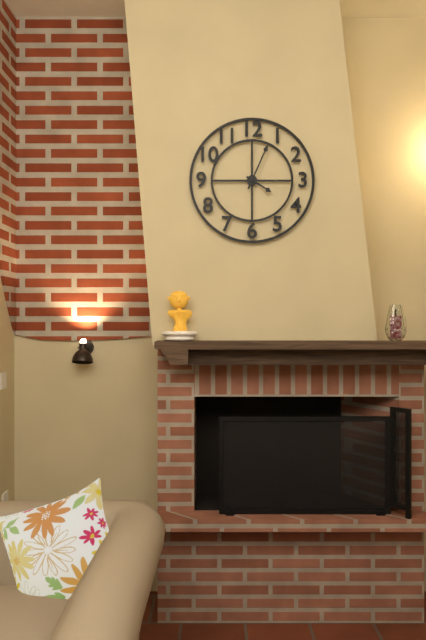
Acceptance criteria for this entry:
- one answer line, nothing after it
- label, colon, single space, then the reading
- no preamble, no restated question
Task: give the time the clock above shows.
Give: 4:04
